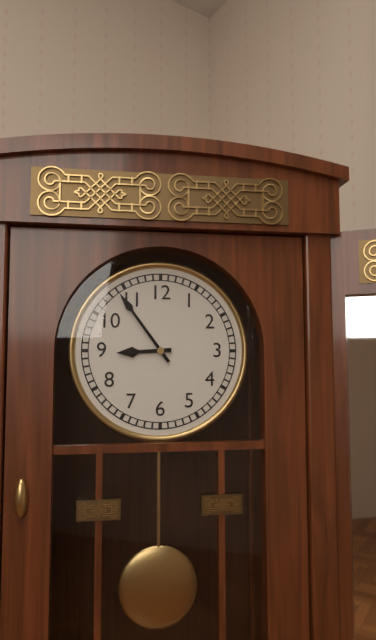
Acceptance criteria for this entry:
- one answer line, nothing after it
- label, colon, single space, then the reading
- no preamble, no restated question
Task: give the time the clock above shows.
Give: 8:54
